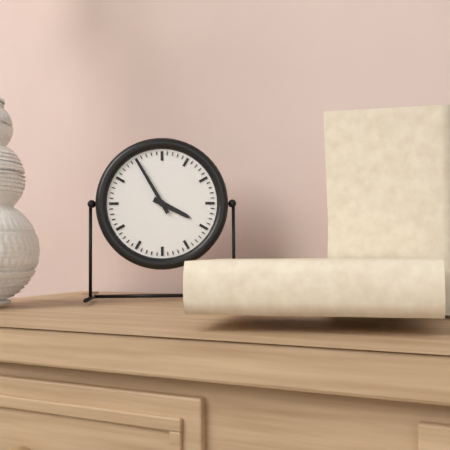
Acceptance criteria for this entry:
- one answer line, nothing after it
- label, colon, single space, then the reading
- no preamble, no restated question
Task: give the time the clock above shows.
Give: 3:55
